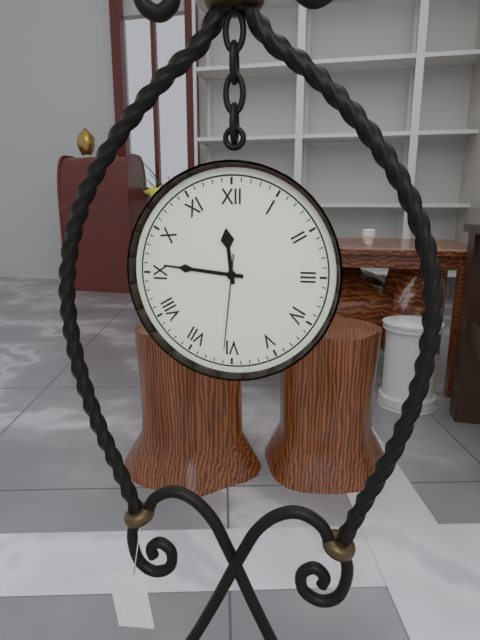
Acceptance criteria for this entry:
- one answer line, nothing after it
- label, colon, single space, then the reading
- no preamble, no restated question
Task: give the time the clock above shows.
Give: 11:46:31
